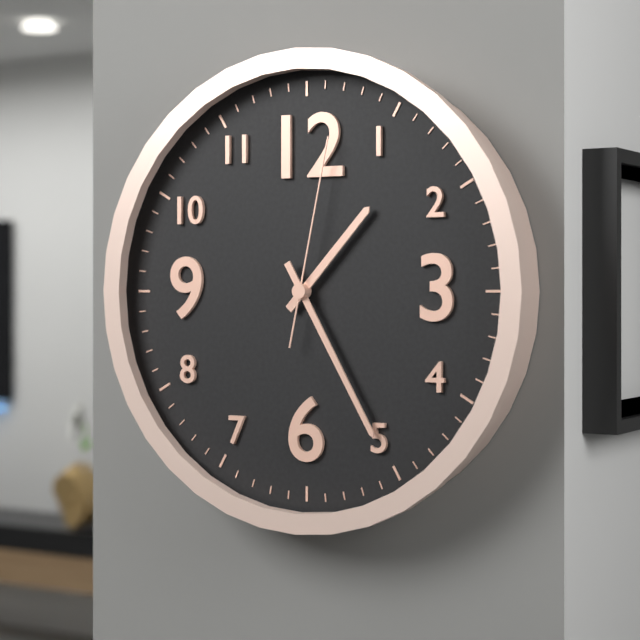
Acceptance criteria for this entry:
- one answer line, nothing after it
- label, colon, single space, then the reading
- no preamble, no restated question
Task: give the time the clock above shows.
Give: 1:25:02
